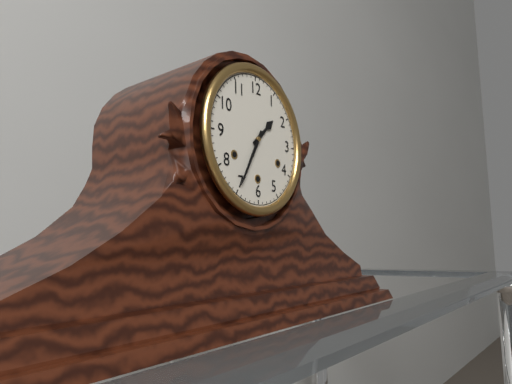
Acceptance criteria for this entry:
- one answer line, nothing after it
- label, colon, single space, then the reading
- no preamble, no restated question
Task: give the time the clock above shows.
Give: 1:35
